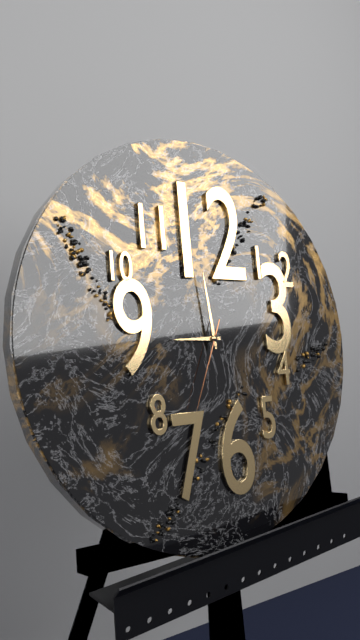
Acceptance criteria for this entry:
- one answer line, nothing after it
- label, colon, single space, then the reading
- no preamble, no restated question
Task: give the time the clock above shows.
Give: 8:59:34
